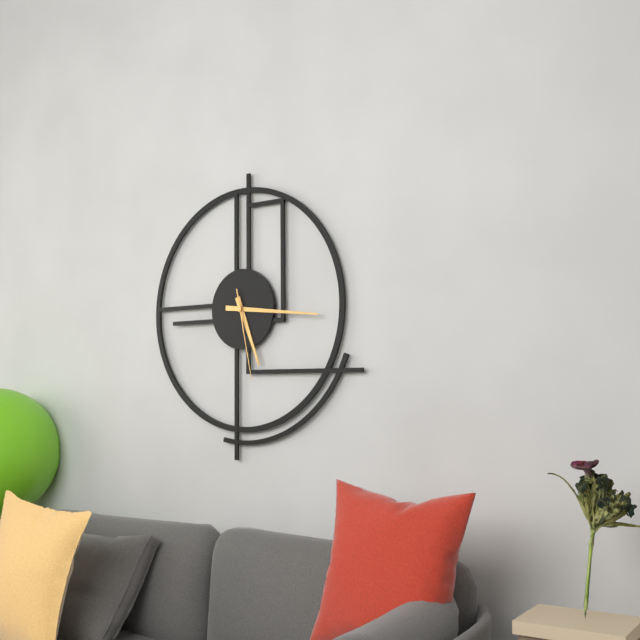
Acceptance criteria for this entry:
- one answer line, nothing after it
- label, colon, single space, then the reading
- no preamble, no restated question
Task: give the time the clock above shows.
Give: 5:16:28
